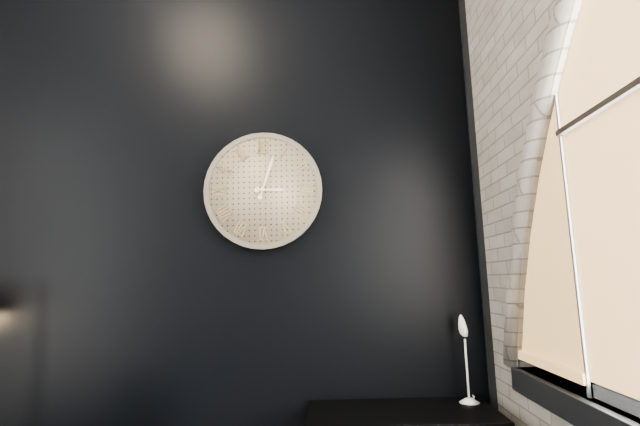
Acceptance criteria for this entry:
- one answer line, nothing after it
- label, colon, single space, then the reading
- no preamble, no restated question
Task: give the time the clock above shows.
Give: 3:03
